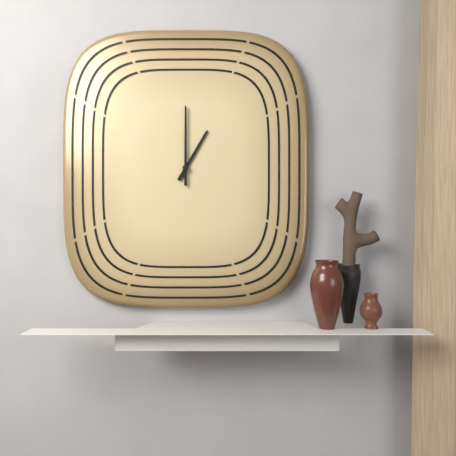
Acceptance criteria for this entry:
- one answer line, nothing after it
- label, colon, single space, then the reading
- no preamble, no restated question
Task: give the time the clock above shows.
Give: 1:00
